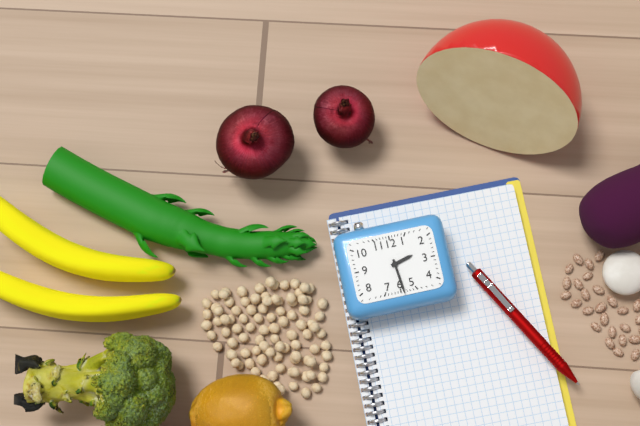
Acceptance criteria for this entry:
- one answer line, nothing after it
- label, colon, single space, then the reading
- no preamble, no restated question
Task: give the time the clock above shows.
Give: 2:29
